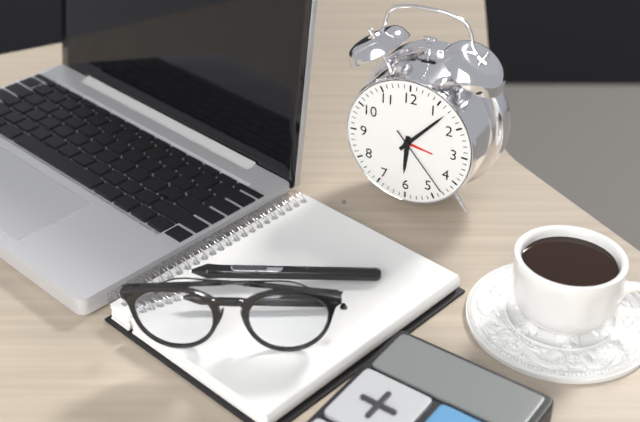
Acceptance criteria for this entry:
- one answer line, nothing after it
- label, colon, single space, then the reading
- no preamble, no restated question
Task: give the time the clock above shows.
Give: 6:07:23
